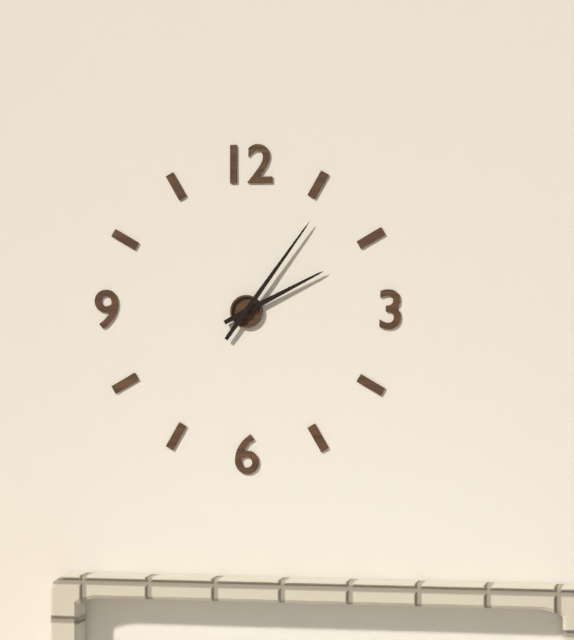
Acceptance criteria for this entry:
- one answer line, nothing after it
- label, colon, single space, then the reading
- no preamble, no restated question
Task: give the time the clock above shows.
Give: 2:06
